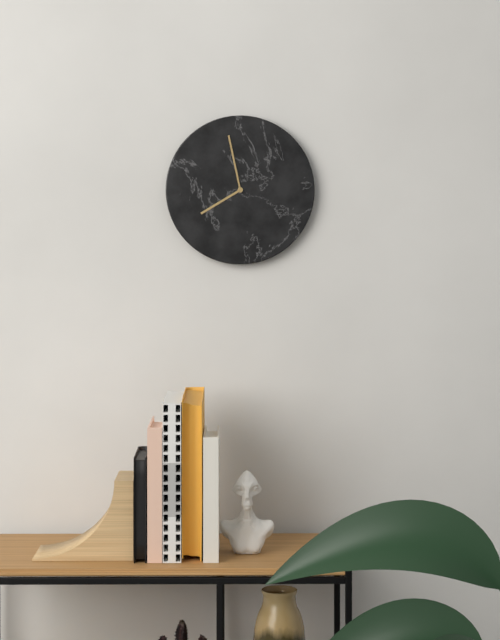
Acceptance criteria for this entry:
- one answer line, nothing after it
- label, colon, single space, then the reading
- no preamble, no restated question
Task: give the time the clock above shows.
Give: 7:58
